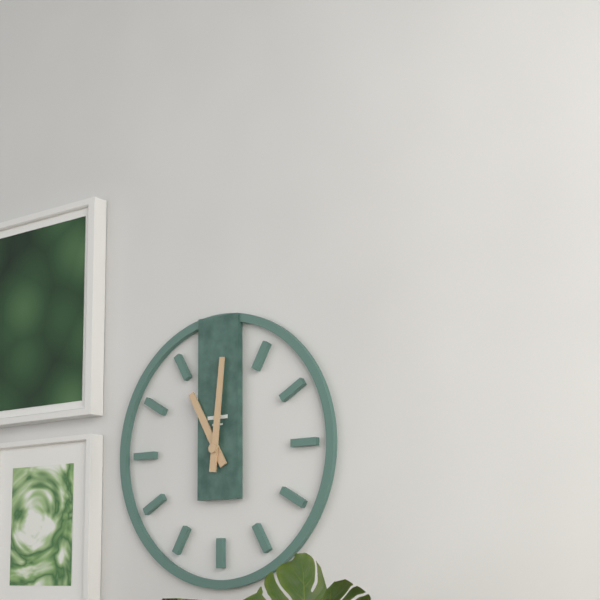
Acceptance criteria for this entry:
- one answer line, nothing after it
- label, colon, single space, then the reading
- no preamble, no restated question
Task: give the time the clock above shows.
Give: 11:01
